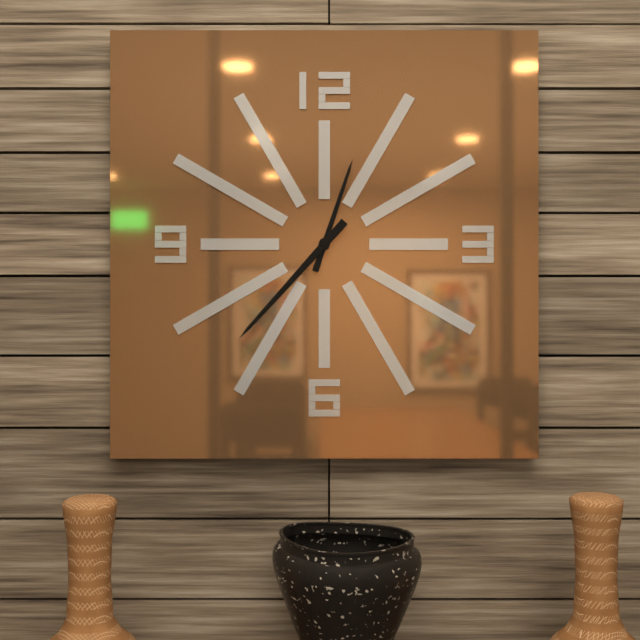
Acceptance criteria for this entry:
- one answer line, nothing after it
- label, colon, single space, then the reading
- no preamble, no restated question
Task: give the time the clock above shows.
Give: 12:37
